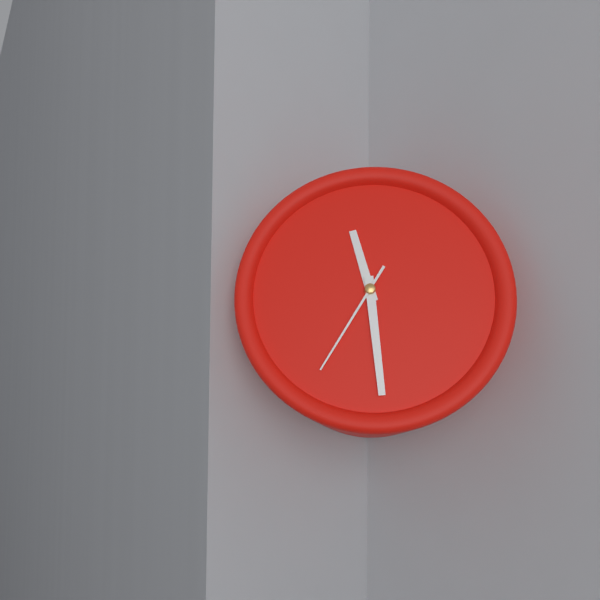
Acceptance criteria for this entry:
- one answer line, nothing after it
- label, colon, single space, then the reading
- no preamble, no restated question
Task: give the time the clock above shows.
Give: 11:29:35
